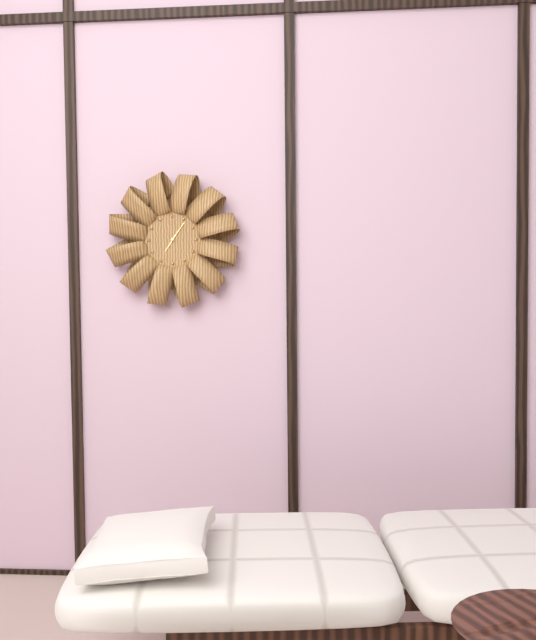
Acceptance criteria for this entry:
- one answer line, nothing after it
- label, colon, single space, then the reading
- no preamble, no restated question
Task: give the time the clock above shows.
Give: 7:06
